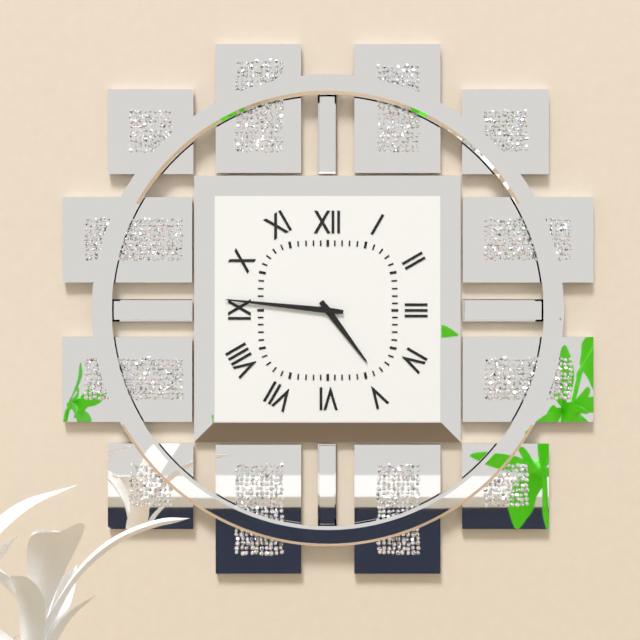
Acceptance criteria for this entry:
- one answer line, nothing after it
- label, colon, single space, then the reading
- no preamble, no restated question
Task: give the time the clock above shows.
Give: 4:46
